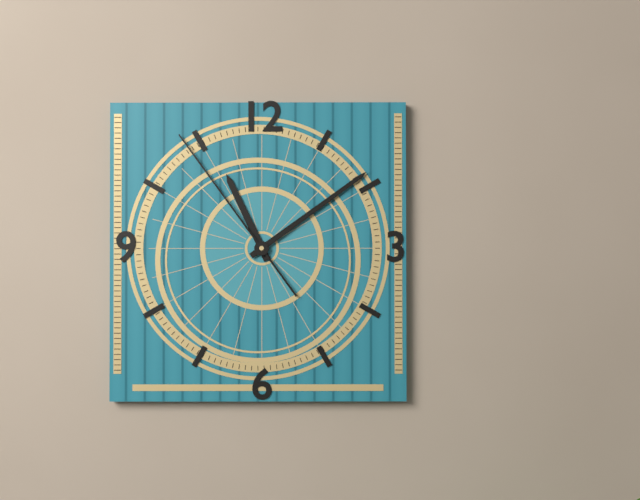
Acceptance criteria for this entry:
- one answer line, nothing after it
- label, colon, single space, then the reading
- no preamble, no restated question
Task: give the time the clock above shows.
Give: 11:09:54
